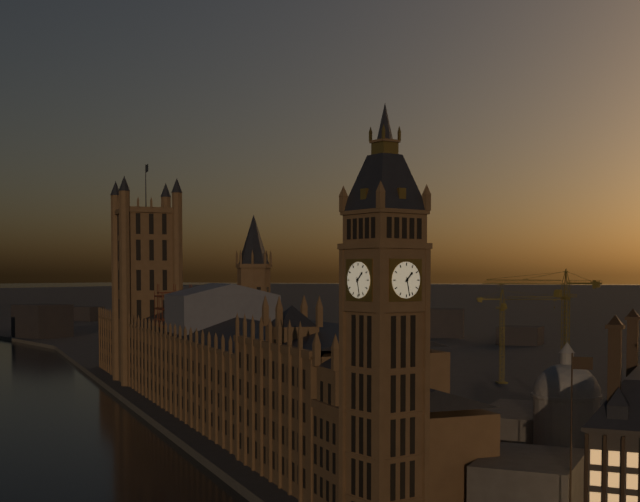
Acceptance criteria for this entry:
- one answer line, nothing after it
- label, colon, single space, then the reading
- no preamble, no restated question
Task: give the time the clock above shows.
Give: 1:28
